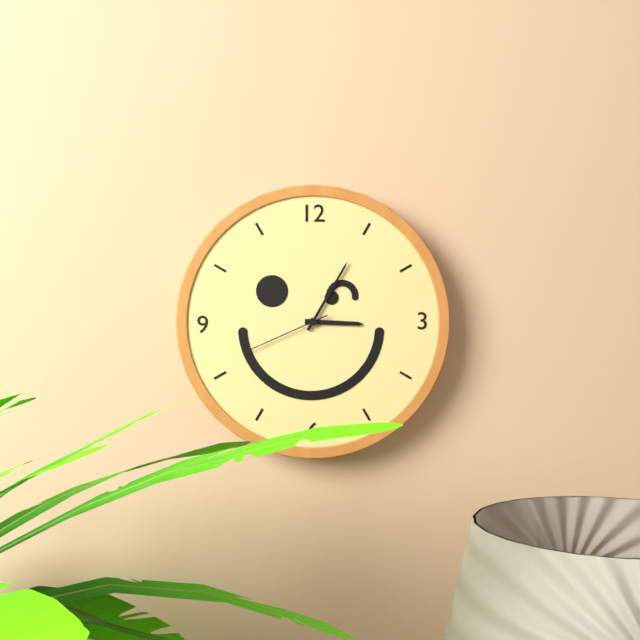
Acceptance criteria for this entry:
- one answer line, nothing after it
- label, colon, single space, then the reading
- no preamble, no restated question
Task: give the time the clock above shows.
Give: 3:05:41
